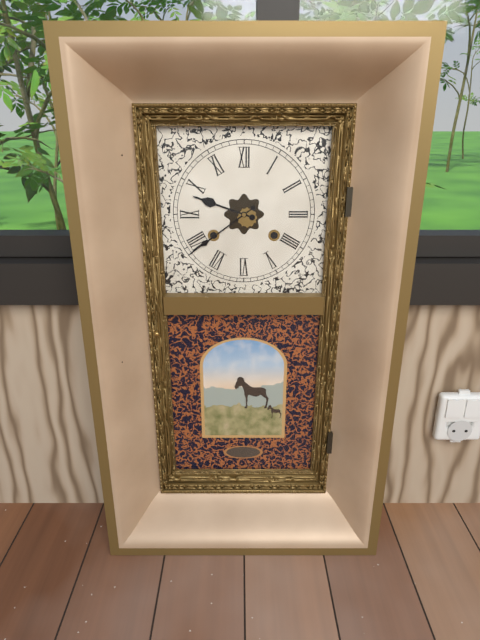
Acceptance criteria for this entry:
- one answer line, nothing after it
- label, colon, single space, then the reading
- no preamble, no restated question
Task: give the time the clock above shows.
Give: 9:39
